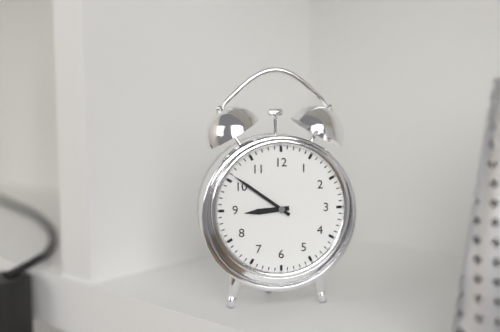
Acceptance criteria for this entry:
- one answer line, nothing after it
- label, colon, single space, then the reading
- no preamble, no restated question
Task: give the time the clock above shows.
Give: 8:51
